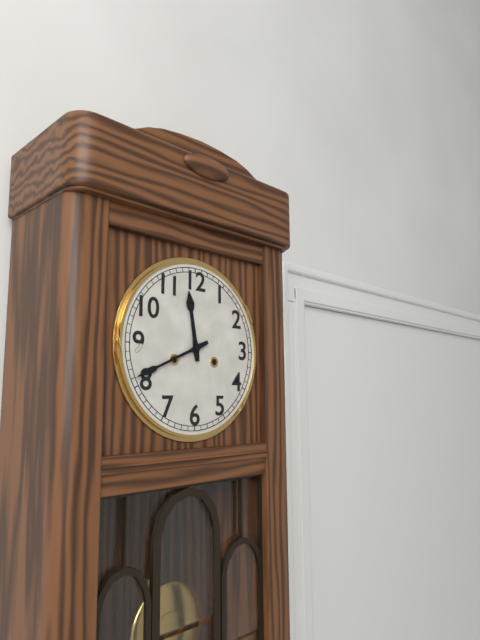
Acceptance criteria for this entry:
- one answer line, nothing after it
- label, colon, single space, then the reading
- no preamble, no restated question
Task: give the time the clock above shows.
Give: 11:41
